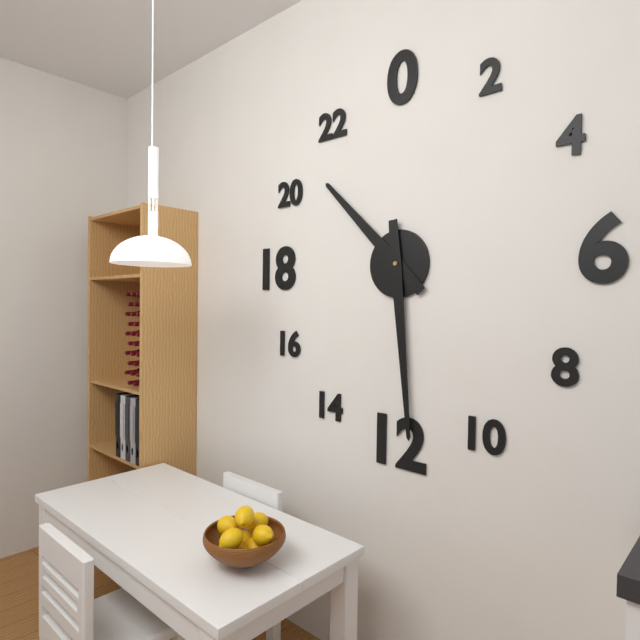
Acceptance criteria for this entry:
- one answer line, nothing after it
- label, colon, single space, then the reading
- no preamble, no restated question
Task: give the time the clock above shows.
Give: 10:29
